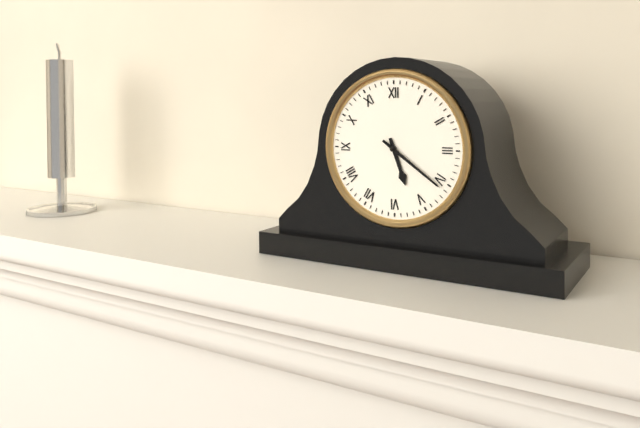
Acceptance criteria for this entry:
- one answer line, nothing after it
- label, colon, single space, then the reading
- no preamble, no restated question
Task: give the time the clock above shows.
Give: 5:21
